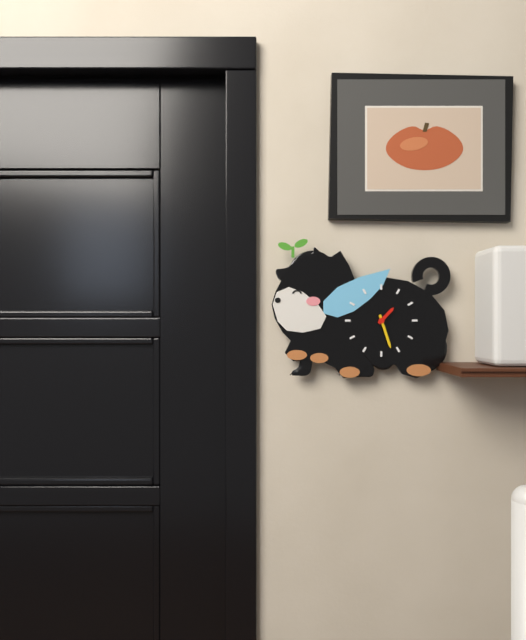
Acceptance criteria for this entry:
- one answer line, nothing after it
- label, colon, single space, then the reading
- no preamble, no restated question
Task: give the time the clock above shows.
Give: 1:27
